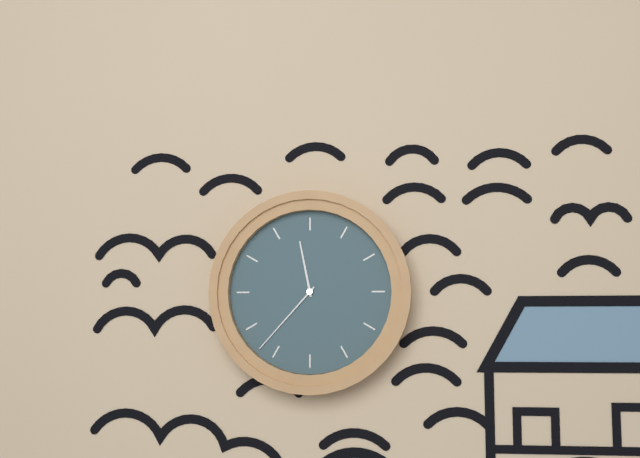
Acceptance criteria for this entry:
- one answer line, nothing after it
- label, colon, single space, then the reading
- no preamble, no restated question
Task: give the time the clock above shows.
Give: 11:37
